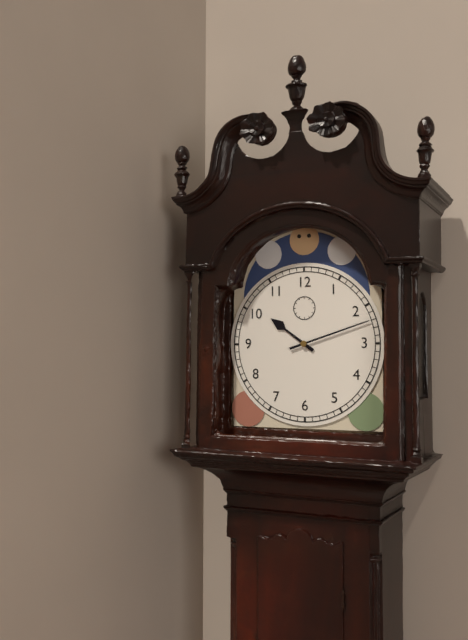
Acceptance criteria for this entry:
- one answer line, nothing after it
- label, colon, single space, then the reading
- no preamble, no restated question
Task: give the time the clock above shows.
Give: 10:12
